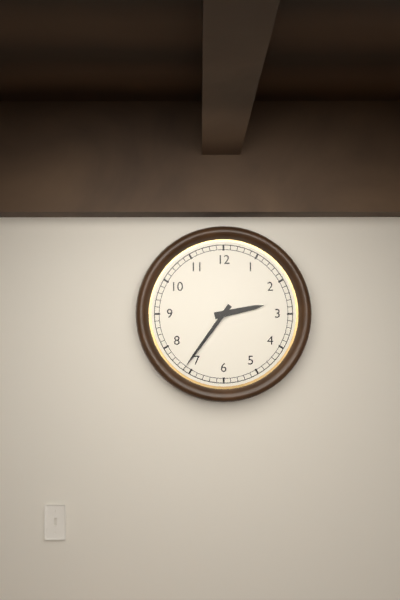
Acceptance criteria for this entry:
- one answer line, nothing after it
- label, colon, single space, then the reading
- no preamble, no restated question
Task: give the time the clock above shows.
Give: 2:36
